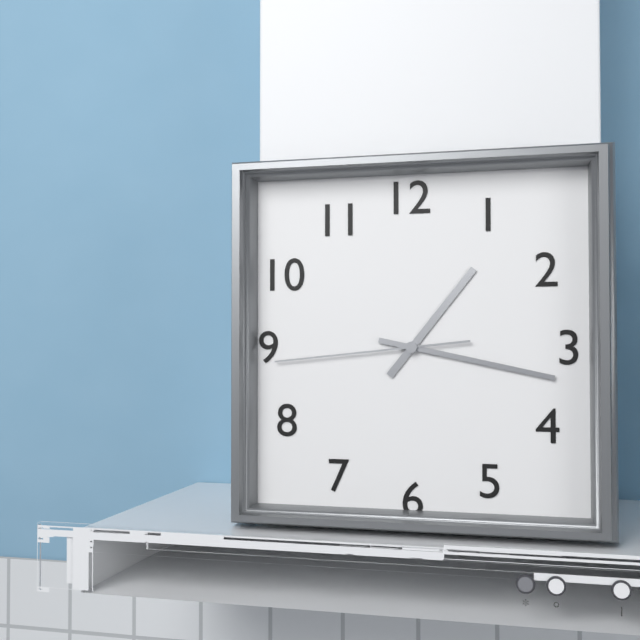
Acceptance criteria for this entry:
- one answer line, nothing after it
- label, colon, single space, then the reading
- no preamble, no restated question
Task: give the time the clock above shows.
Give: 1:17:44
